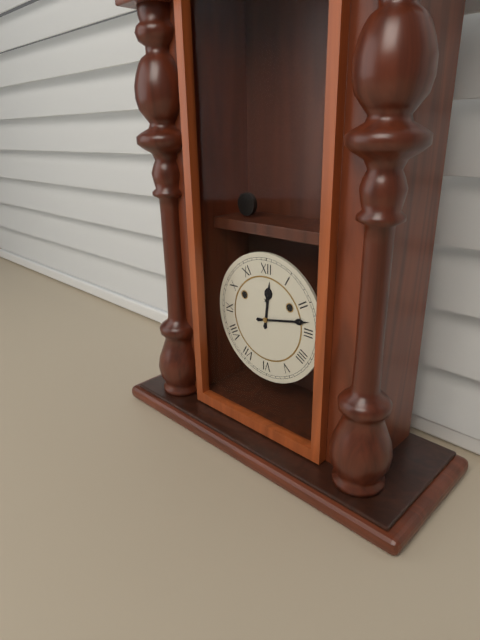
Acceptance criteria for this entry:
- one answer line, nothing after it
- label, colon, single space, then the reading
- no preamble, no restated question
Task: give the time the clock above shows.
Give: 12:13
